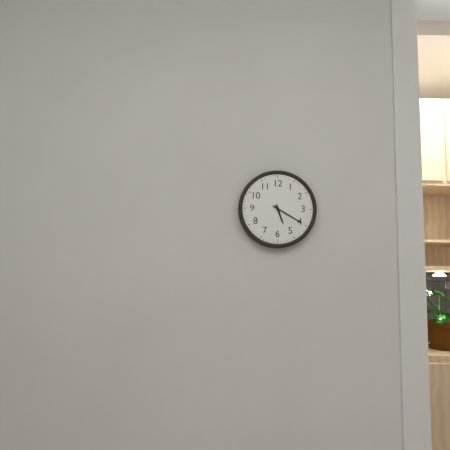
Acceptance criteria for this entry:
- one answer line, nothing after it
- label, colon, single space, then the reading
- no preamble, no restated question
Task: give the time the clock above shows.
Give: 5:20
